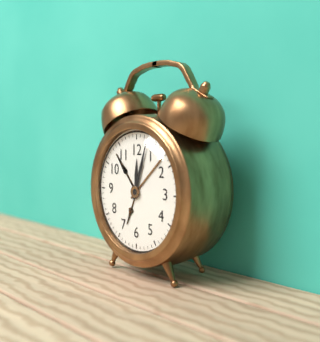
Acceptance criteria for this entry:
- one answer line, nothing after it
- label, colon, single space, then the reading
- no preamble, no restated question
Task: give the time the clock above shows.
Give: 12:03
